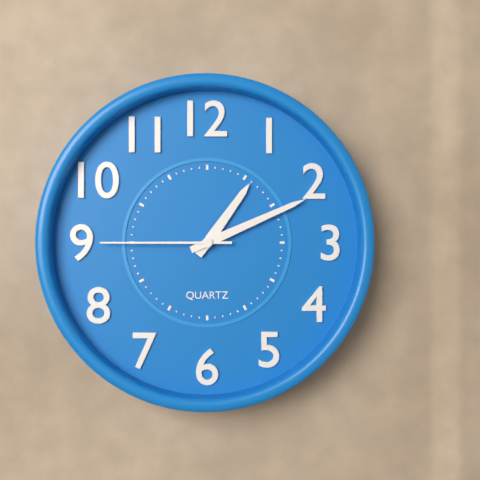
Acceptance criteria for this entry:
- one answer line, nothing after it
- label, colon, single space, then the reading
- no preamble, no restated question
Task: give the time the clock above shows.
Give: 1:11:45
